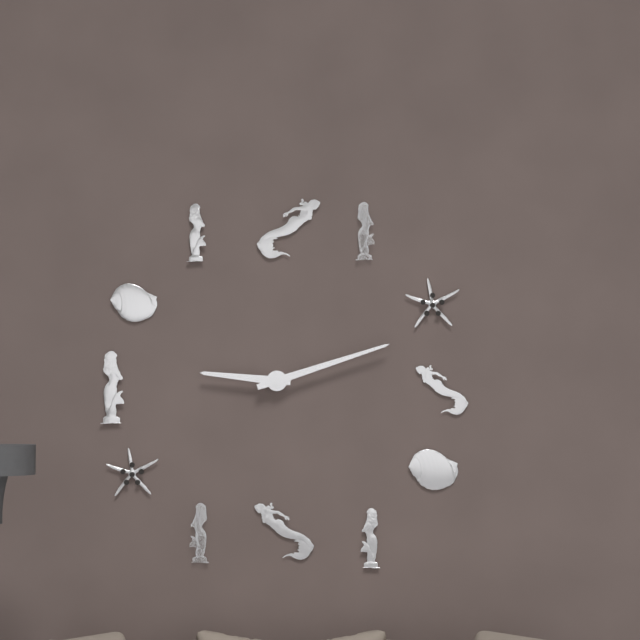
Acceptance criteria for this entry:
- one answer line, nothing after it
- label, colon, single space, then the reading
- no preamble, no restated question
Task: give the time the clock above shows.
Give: 9:12
